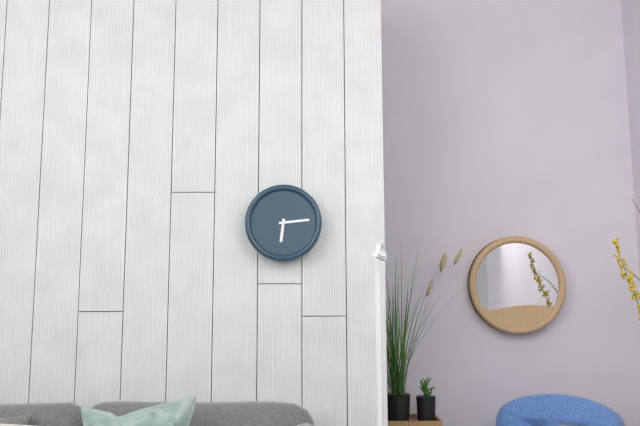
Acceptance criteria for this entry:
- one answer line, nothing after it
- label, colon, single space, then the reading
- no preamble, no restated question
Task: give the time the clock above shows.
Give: 6:14
